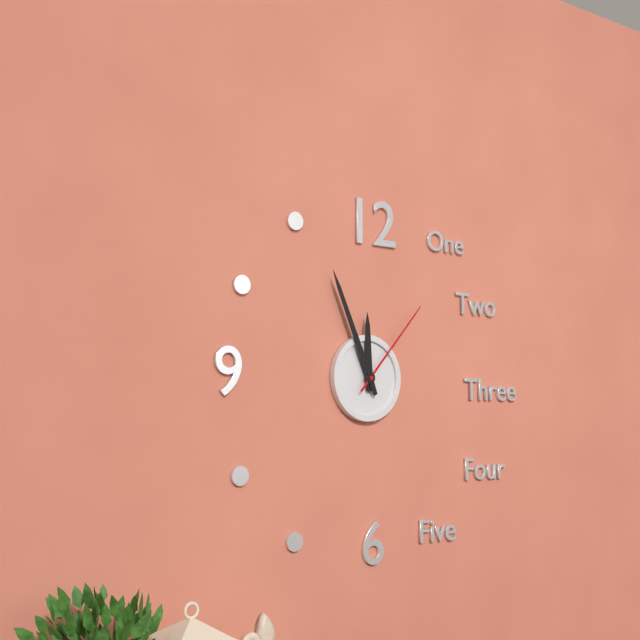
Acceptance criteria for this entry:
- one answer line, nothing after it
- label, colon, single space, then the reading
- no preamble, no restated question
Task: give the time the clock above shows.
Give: 11:56:07
